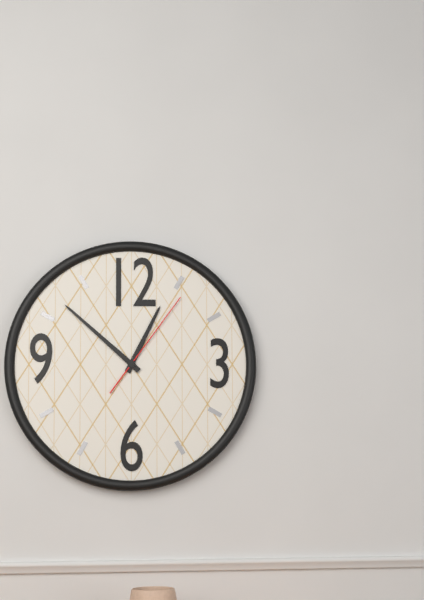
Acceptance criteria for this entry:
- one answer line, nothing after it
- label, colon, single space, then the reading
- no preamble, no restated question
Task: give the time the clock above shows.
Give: 12:52:06
